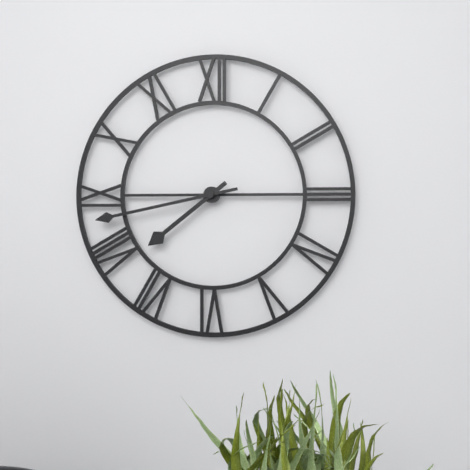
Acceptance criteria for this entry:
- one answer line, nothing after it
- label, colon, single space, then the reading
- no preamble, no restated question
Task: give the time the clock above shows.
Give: 7:43
